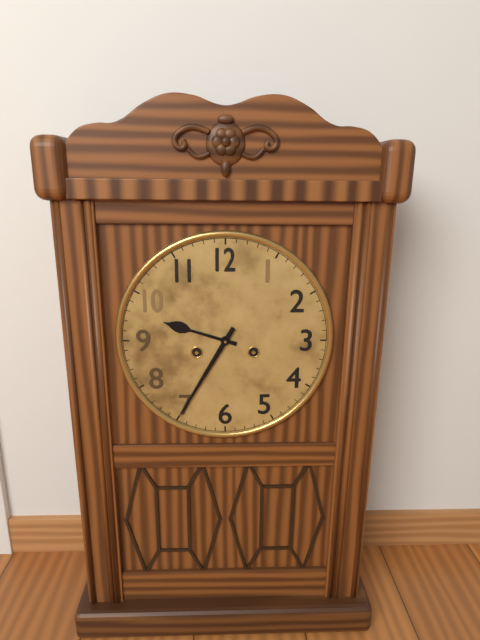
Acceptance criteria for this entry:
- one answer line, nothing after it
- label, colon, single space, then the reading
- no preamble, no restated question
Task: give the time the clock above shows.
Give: 9:35
